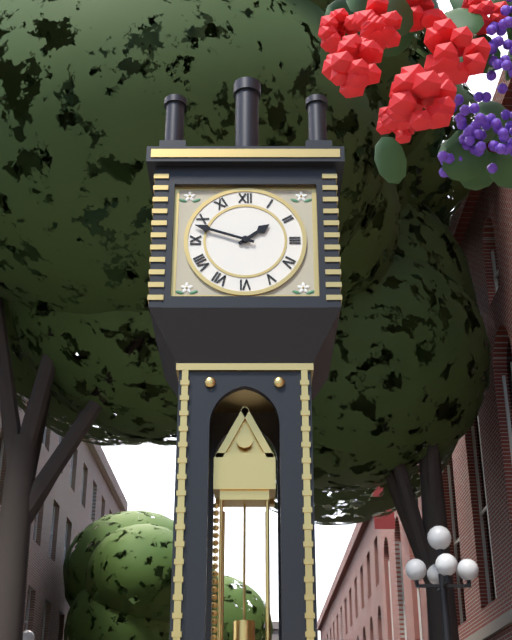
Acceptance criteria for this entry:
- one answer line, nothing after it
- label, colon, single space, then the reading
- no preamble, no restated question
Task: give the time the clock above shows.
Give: 1:48
